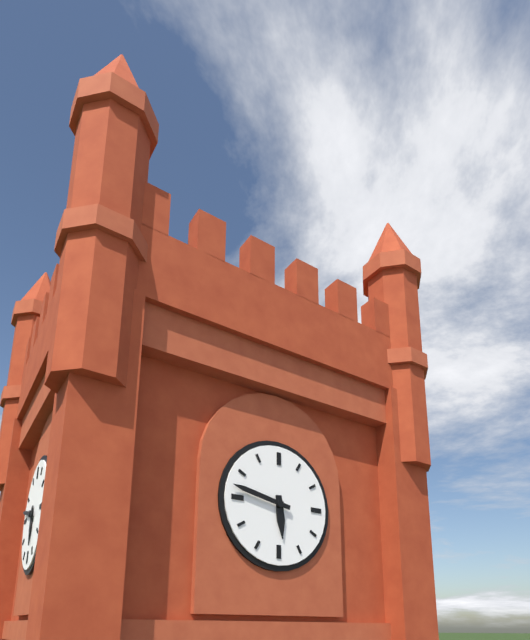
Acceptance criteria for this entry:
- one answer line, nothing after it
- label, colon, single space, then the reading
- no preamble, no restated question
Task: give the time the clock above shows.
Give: 5:47
